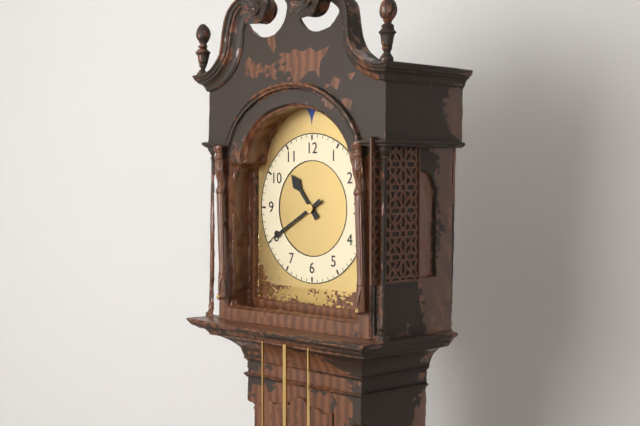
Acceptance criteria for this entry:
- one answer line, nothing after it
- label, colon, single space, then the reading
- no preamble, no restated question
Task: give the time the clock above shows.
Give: 10:40
